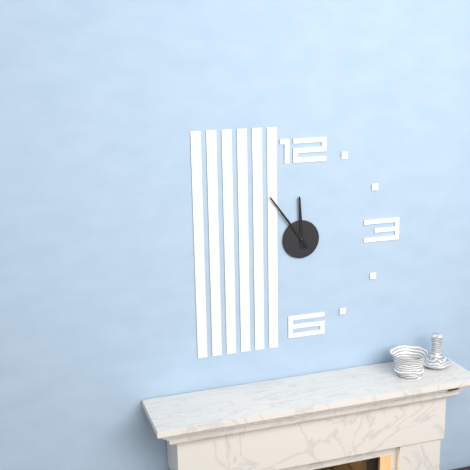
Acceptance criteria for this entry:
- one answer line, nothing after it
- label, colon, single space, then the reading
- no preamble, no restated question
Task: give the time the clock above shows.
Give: 11:54
